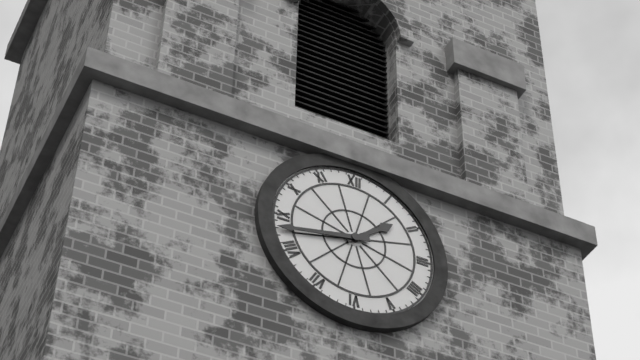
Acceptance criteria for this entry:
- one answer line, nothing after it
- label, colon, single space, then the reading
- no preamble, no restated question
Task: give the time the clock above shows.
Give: 1:43
